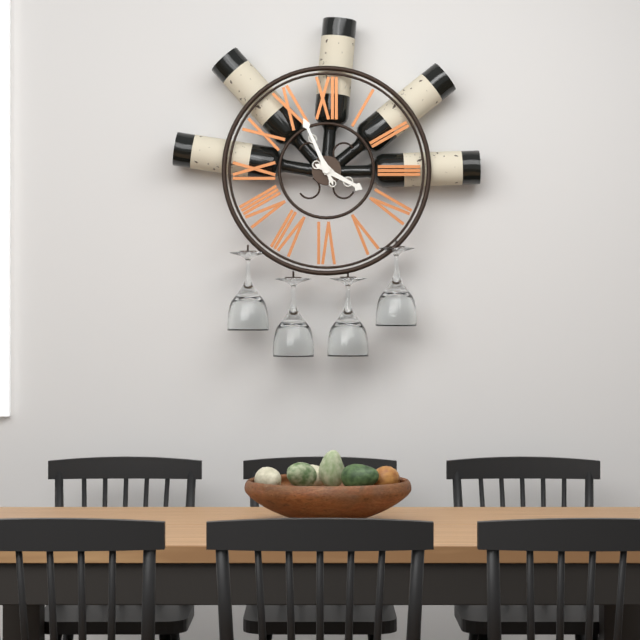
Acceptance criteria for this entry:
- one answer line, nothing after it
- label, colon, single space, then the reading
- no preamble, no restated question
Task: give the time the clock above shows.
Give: 3:56
